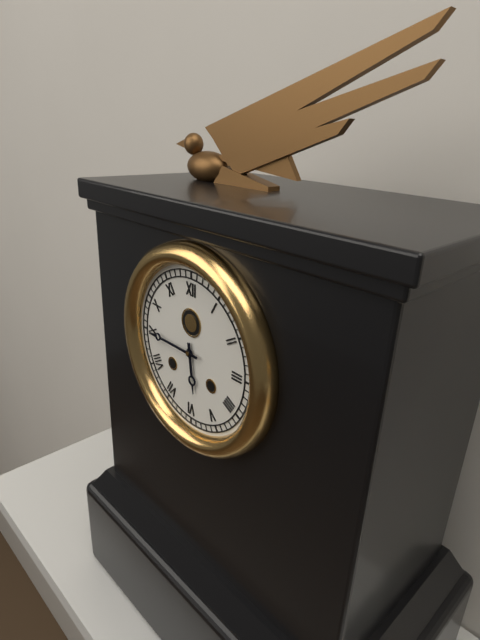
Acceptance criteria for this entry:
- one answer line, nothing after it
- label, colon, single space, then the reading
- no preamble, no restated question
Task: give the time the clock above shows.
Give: 5:45
